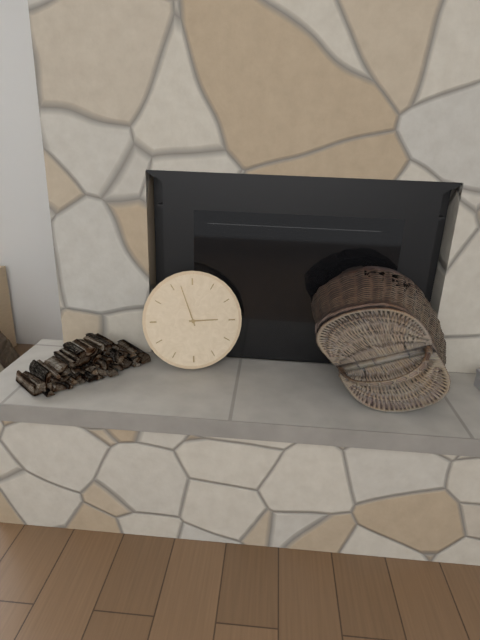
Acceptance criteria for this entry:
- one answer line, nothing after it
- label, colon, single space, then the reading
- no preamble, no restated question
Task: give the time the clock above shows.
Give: 2:57
